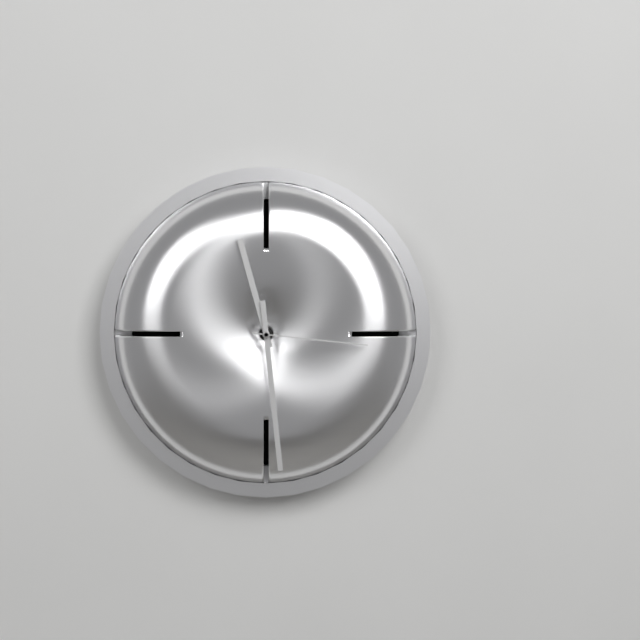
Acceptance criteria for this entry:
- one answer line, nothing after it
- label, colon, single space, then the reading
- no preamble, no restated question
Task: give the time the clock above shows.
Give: 11:29:16
